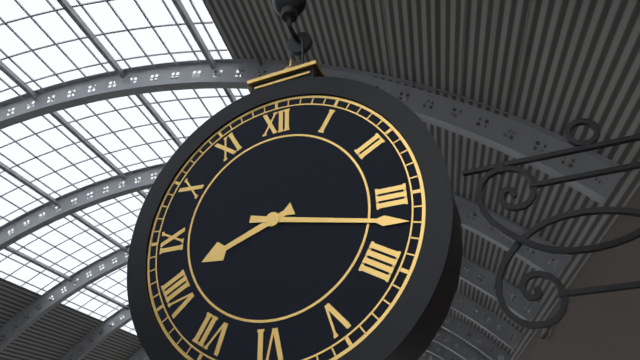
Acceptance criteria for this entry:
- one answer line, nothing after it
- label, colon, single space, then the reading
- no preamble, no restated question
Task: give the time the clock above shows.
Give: 8:17
